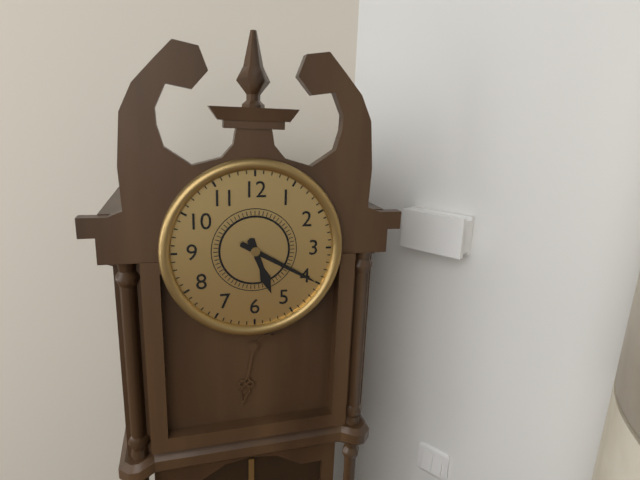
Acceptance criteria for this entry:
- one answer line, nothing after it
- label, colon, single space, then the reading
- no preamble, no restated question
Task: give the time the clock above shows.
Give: 5:20
